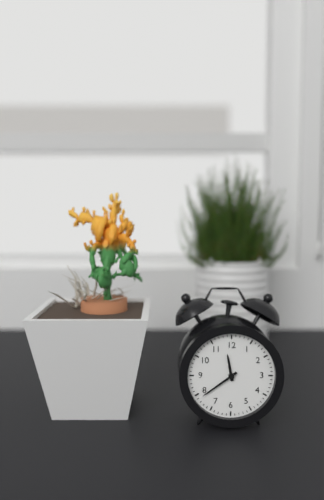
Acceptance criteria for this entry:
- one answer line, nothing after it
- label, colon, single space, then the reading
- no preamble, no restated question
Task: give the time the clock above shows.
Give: 11:39
